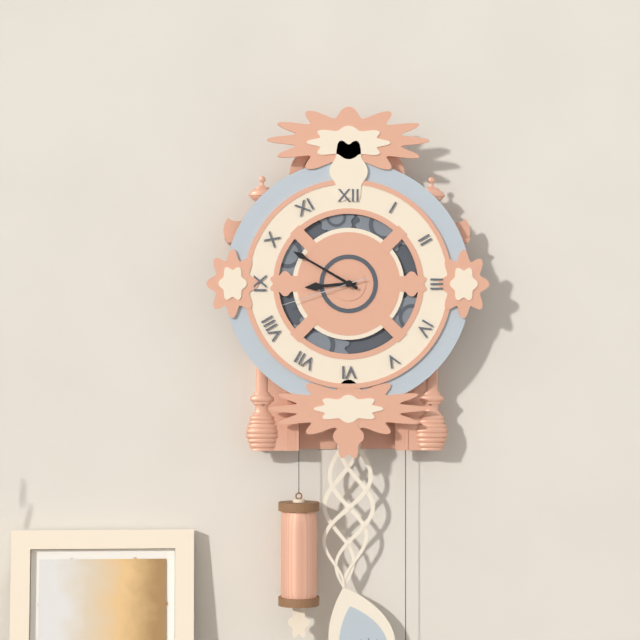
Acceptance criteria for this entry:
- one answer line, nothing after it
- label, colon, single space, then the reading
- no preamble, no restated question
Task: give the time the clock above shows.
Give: 8:50:42
